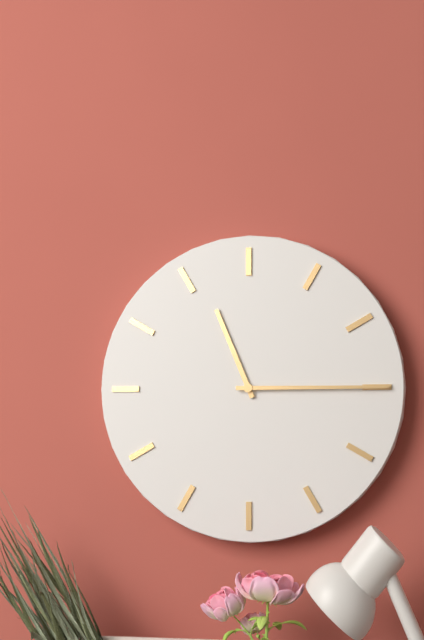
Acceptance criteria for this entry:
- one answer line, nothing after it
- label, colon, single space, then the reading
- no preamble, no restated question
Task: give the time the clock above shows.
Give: 11:15
